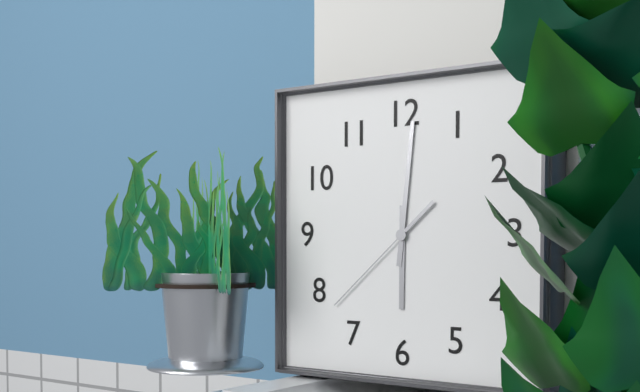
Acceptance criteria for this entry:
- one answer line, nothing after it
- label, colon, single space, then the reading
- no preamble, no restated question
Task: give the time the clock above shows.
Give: 6:01:38
